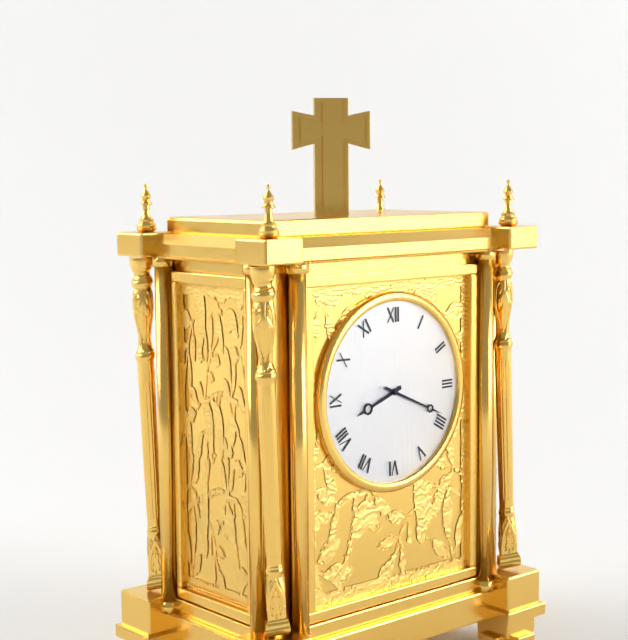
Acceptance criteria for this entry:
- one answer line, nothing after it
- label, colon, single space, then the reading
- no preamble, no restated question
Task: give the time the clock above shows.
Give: 8:19
